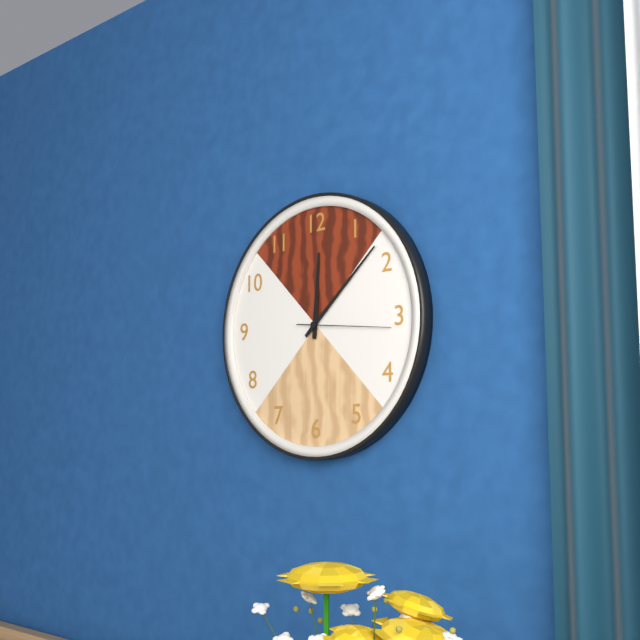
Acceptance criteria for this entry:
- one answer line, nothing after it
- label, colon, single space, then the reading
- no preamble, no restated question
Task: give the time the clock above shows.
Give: 12:08:16
